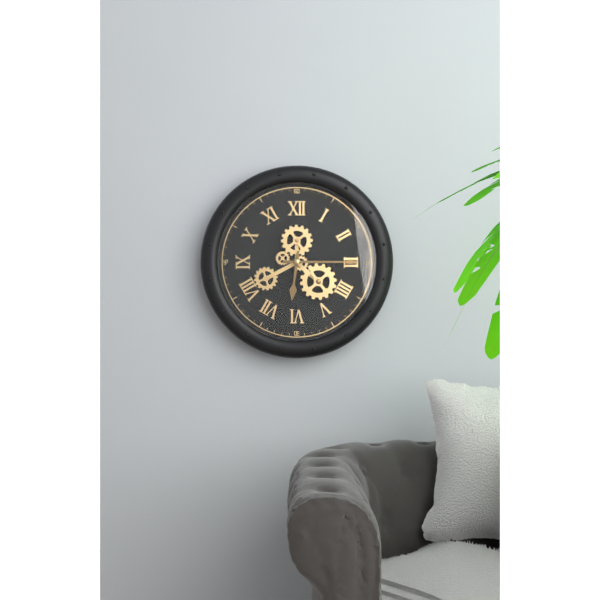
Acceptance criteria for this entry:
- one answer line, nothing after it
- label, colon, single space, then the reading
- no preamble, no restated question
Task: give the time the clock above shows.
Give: 6:15
